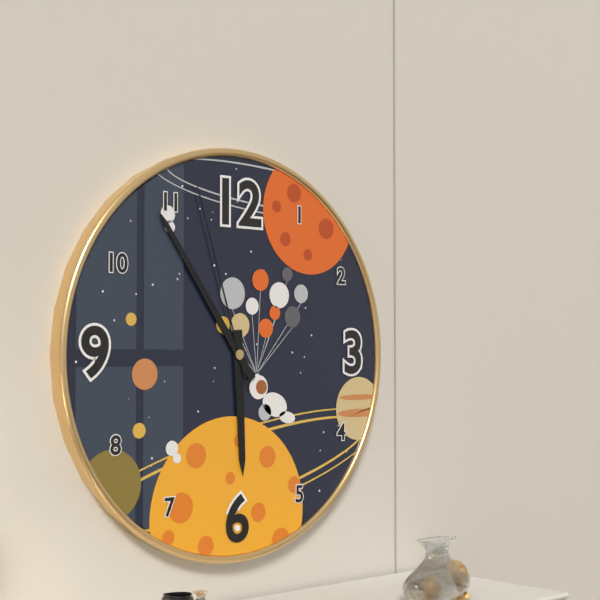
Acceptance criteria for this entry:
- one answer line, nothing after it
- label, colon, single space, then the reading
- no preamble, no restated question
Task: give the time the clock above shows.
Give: 5:54:57
